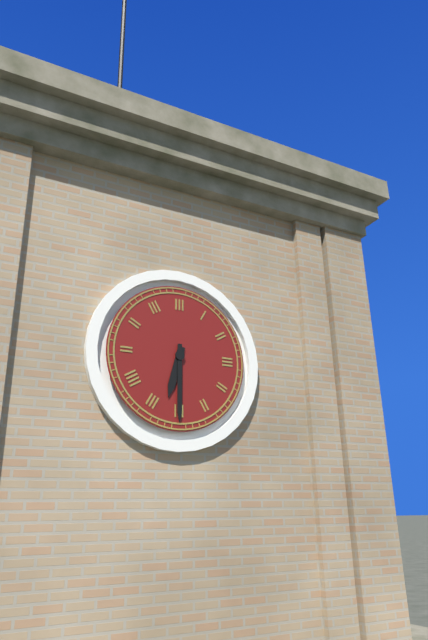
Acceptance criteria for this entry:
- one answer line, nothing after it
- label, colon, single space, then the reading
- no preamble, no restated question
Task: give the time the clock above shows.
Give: 6:30
